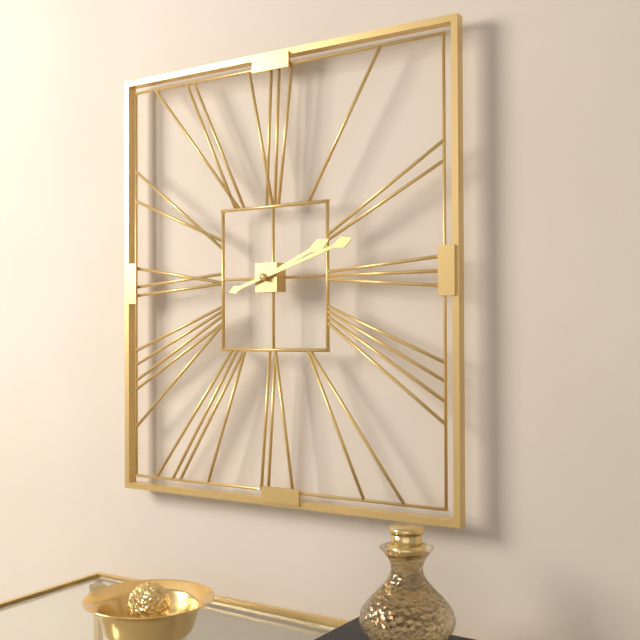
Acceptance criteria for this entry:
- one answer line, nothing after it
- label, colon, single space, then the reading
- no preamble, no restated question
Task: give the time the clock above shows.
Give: 2:12
